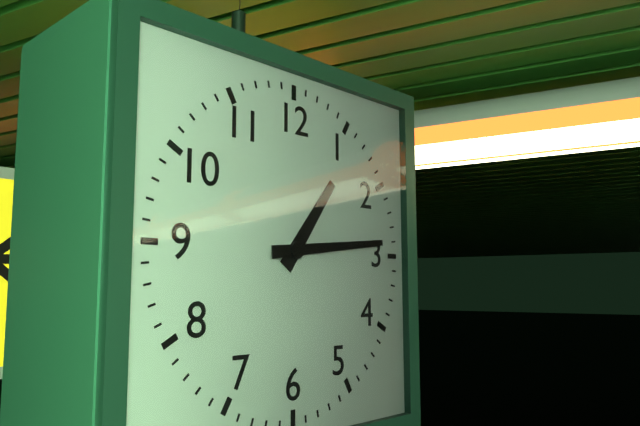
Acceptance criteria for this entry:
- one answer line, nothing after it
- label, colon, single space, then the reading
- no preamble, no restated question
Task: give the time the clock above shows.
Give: 1:14
